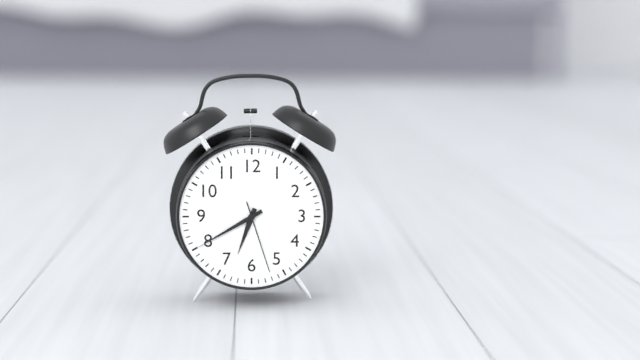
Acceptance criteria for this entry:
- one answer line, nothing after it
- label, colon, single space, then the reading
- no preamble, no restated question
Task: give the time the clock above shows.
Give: 6:40:27
